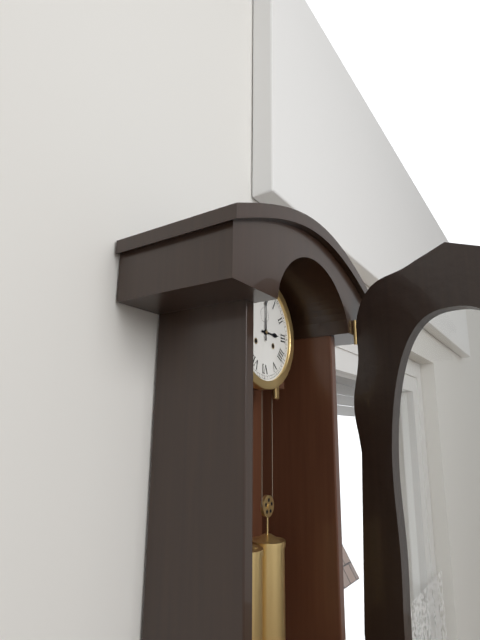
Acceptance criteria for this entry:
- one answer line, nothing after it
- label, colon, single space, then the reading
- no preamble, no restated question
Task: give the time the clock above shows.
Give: 3:00
